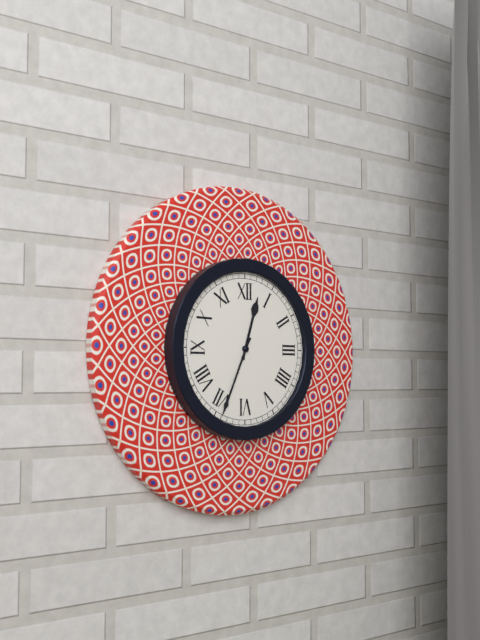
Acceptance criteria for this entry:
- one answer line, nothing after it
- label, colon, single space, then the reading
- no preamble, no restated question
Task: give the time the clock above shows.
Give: 12:34
